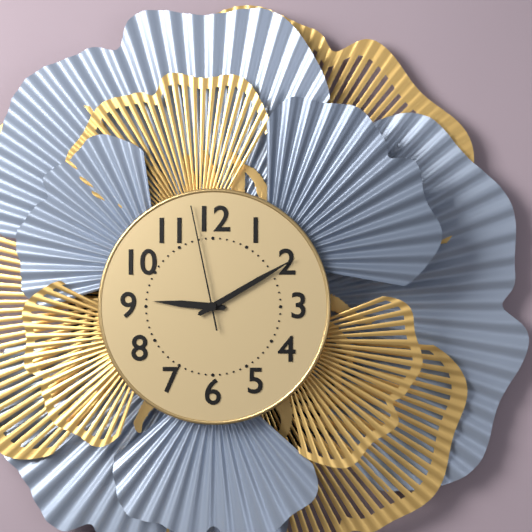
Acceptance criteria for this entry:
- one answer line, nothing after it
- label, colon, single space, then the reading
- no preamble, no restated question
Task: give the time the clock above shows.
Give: 9:10:58
